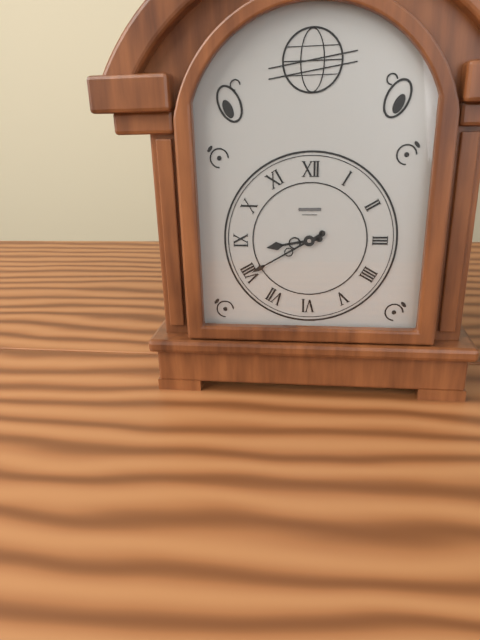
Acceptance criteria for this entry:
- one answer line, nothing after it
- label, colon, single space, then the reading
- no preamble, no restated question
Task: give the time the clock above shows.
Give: 8:40
